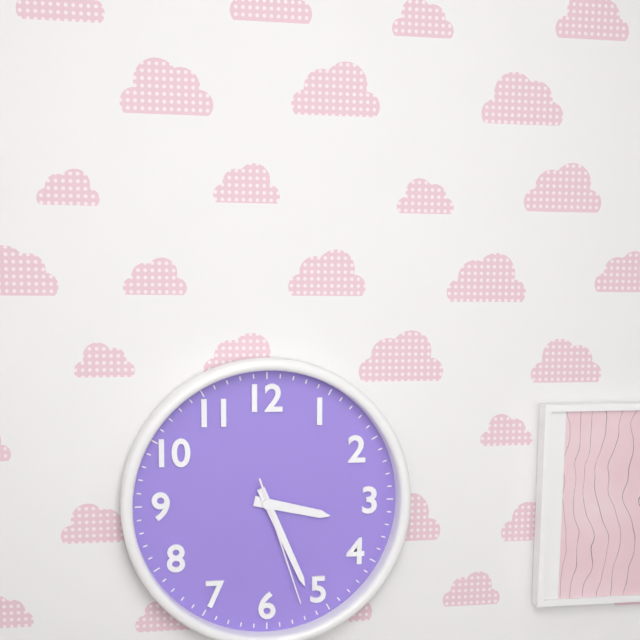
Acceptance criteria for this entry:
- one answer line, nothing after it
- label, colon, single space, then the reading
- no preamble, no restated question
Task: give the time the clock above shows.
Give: 3:26:27
